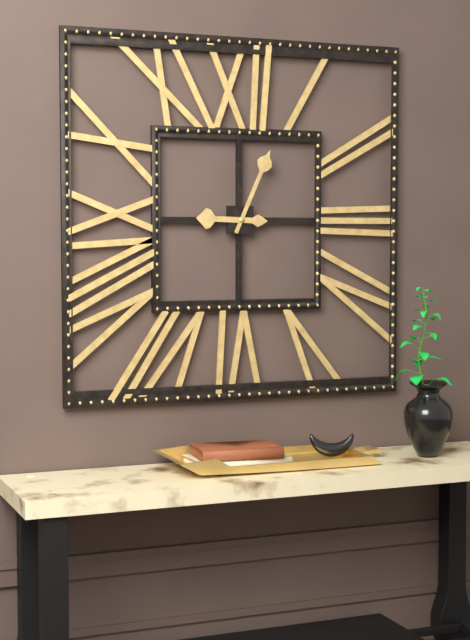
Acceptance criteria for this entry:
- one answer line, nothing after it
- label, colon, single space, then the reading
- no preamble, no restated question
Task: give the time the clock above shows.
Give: 9:04
